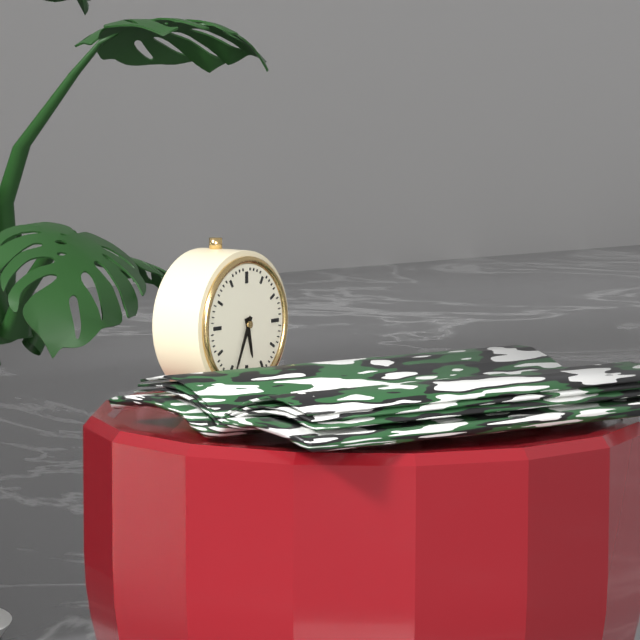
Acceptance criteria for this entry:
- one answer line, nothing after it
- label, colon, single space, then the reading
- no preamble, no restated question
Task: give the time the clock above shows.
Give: 5:34
